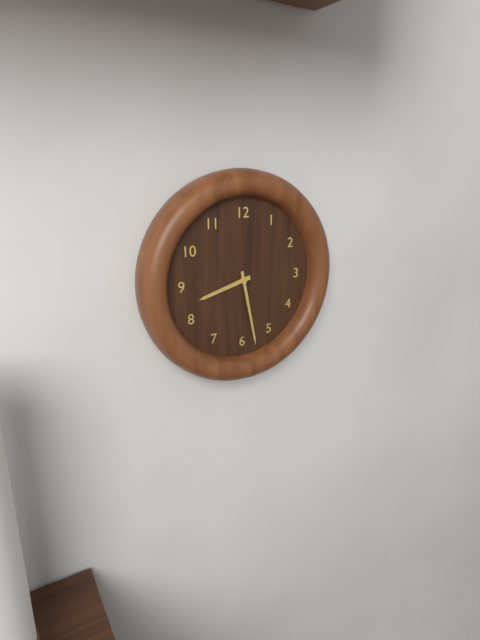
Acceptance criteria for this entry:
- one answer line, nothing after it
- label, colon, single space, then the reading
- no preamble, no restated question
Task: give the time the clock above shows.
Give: 8:28
